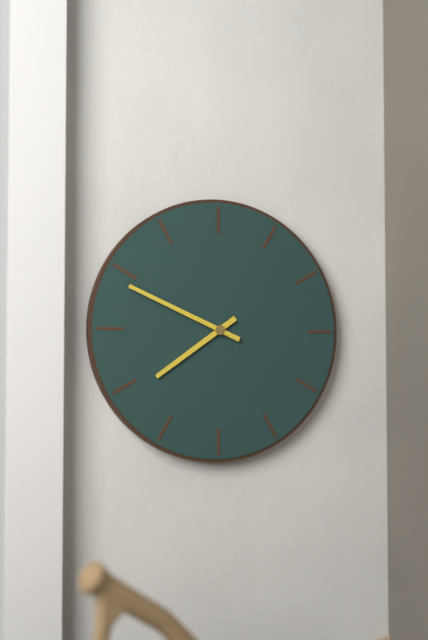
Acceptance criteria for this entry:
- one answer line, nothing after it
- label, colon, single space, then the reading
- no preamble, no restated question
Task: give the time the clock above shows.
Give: 7:49
